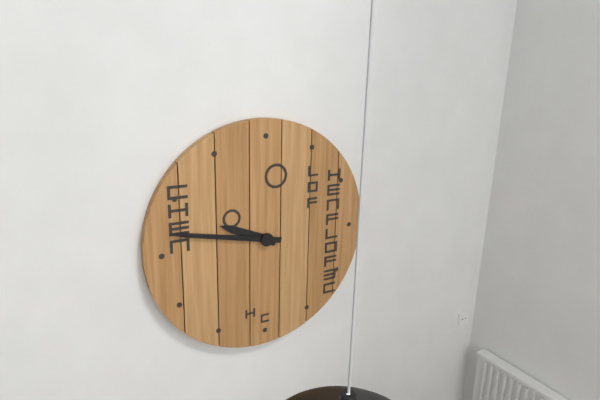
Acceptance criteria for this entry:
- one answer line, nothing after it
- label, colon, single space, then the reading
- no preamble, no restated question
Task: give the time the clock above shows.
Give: 9:47
